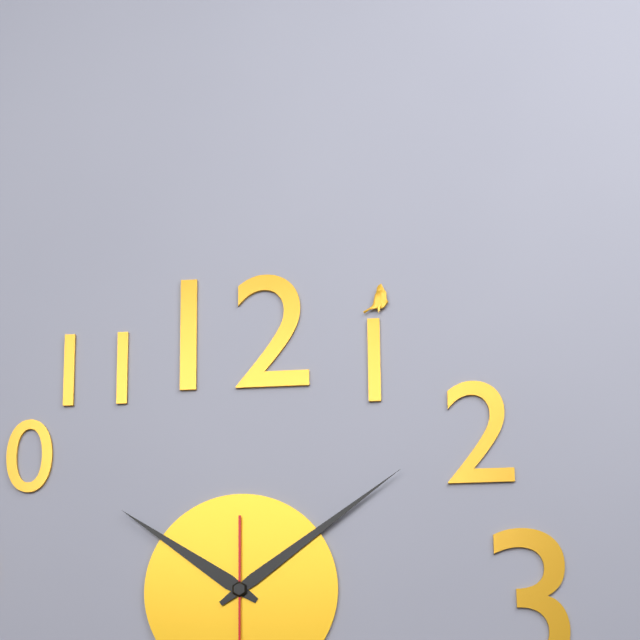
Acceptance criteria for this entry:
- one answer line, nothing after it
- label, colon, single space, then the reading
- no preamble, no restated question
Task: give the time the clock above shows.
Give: 10:09
